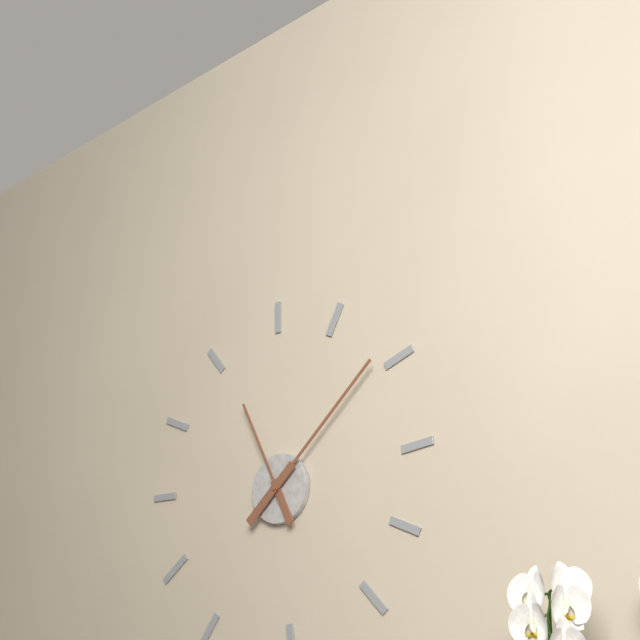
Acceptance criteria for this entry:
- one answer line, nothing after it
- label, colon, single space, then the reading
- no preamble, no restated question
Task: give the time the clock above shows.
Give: 11:08
